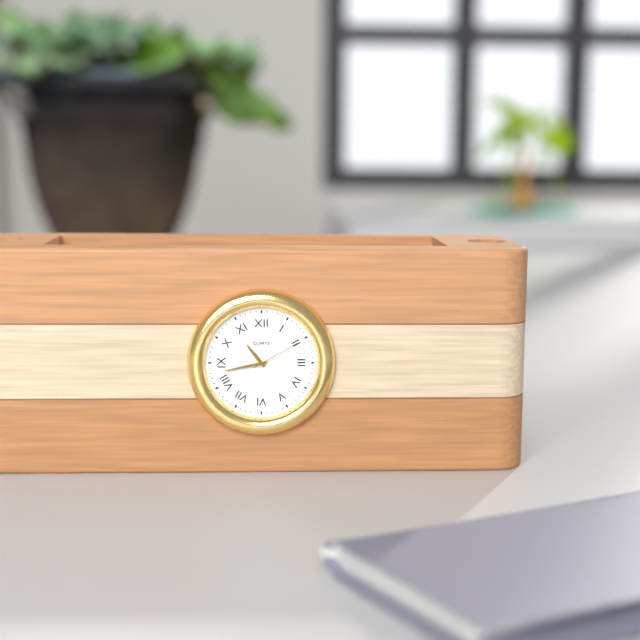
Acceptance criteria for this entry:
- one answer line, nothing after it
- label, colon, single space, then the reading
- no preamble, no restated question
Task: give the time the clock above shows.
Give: 10:43:10
